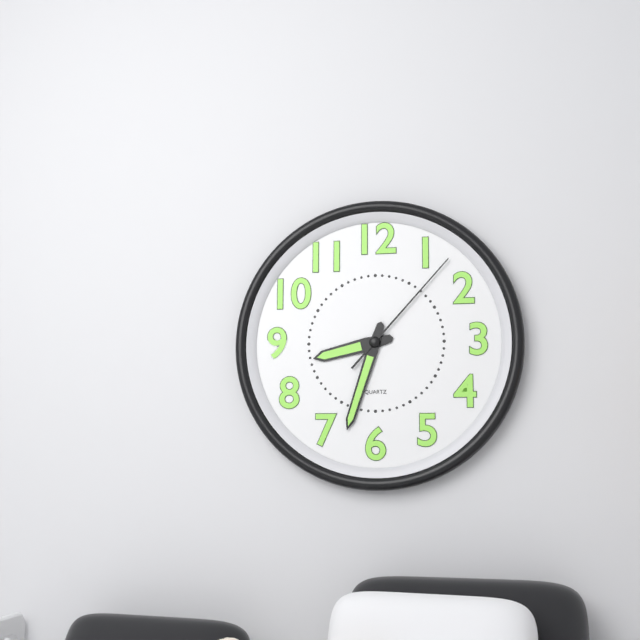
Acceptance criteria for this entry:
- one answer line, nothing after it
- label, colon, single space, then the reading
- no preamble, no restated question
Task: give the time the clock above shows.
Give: 8:33:07
